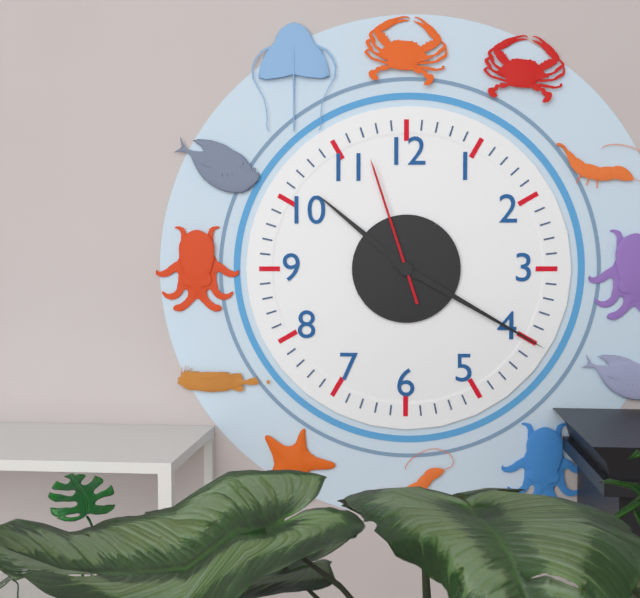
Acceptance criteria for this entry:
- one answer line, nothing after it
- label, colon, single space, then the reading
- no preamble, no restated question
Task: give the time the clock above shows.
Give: 10:20:57
